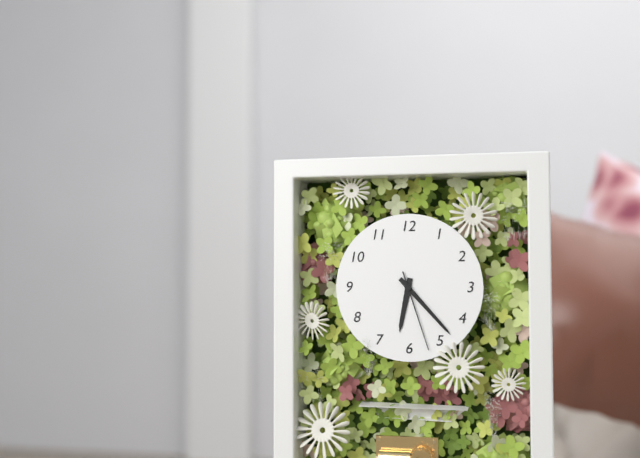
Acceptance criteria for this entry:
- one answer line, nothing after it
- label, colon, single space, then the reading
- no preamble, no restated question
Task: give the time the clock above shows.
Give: 6:23:27
